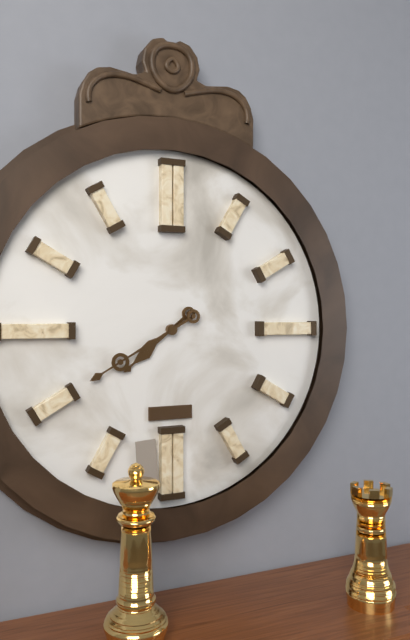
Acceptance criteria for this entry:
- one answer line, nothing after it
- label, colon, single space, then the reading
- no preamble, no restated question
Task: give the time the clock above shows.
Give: 7:40
